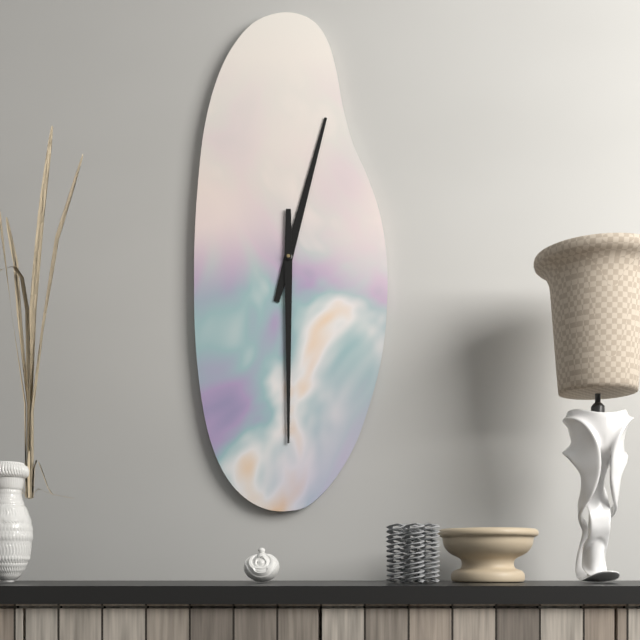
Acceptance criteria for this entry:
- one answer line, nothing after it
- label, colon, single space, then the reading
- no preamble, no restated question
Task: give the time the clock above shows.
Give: 12:30
